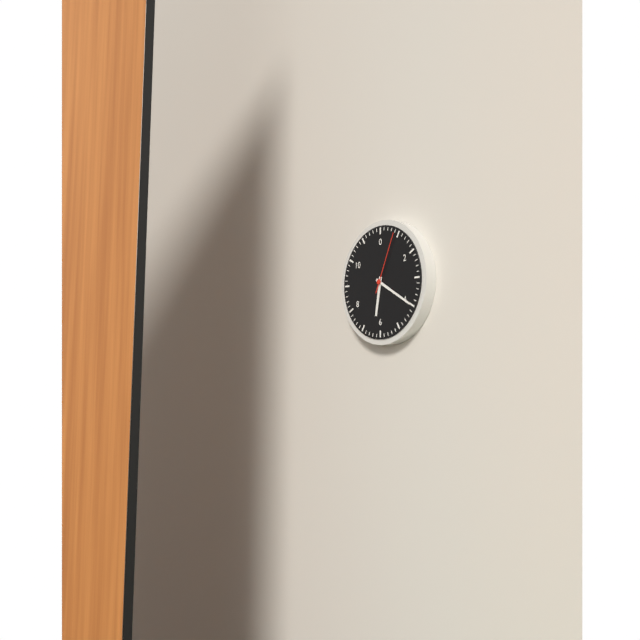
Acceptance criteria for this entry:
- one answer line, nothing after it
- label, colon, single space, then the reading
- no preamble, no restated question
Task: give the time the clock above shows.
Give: 6:20:04
